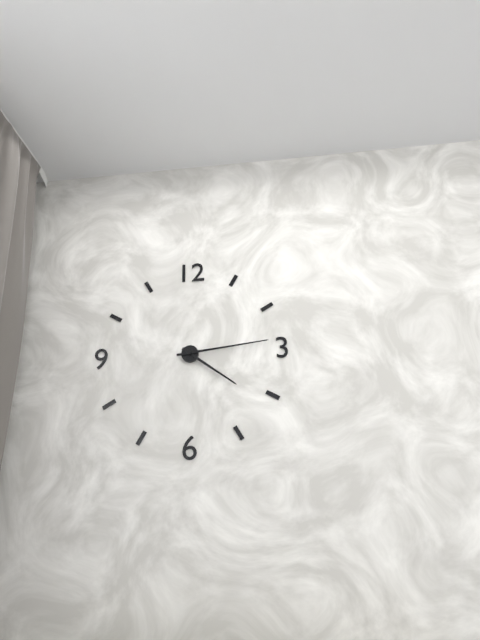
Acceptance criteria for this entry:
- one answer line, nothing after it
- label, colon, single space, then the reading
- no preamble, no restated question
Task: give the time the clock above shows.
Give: 4:14
